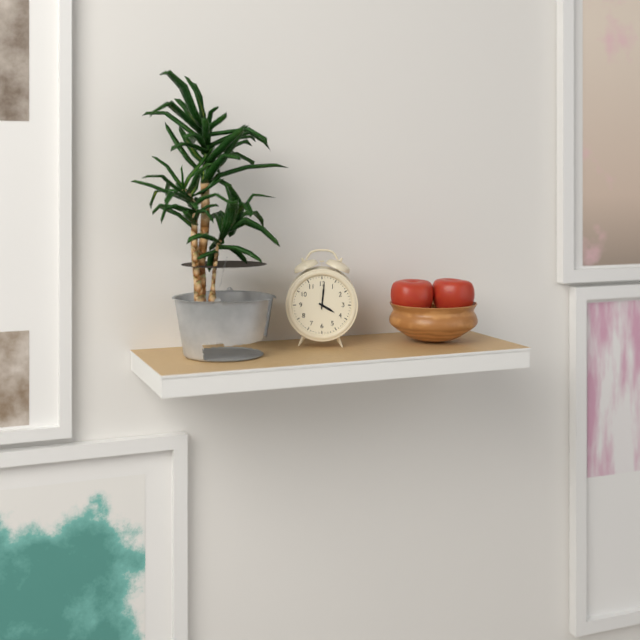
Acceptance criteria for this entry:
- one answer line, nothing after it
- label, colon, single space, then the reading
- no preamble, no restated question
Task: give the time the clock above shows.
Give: 4:01
